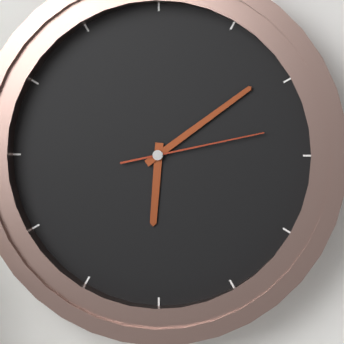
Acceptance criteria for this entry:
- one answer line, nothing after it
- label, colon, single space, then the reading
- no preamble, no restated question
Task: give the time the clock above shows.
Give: 6:09:13
